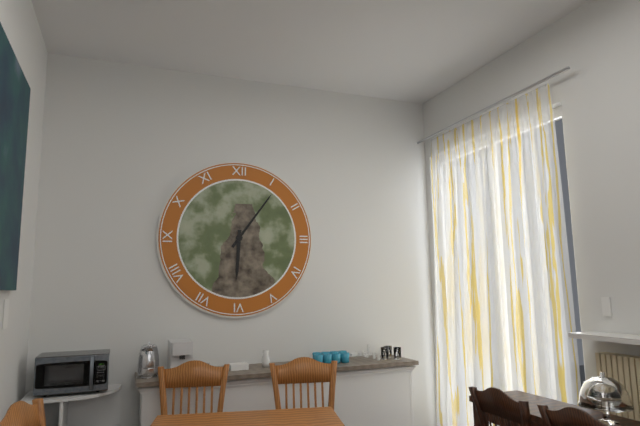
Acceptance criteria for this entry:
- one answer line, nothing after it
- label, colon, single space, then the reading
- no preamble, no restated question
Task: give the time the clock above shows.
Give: 6:06
